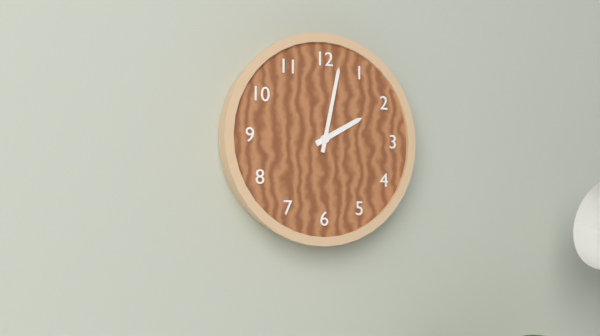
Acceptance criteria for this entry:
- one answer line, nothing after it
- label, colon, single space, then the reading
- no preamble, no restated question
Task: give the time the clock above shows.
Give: 2:02
